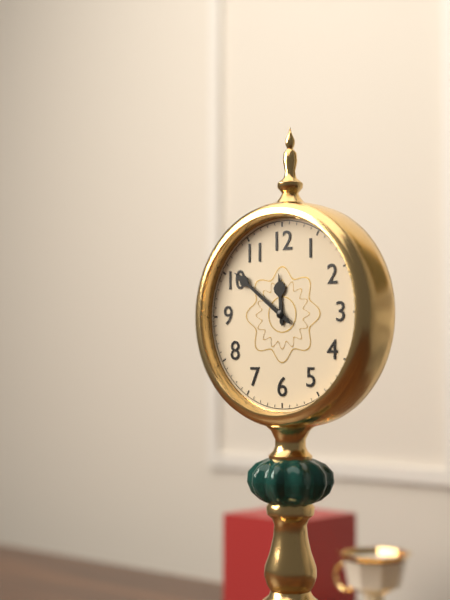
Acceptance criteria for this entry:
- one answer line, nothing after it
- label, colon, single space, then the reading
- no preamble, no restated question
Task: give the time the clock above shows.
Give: 11:51
